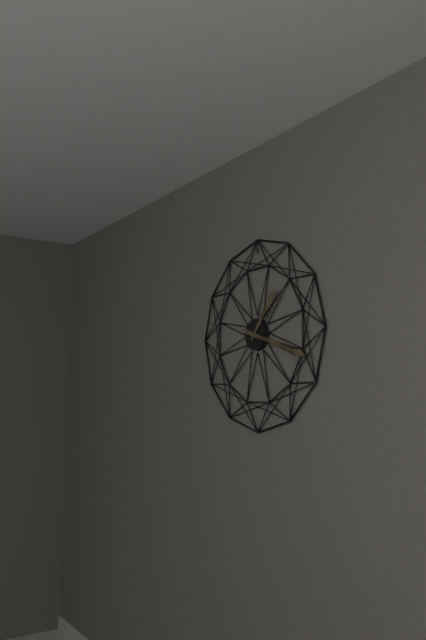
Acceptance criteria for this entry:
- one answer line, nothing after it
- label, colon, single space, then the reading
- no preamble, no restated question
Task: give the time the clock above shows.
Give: 1:18
